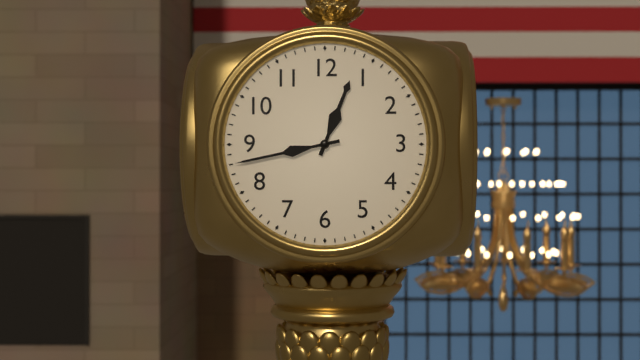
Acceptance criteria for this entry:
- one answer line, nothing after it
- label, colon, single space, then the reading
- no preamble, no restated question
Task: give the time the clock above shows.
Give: 12:43
